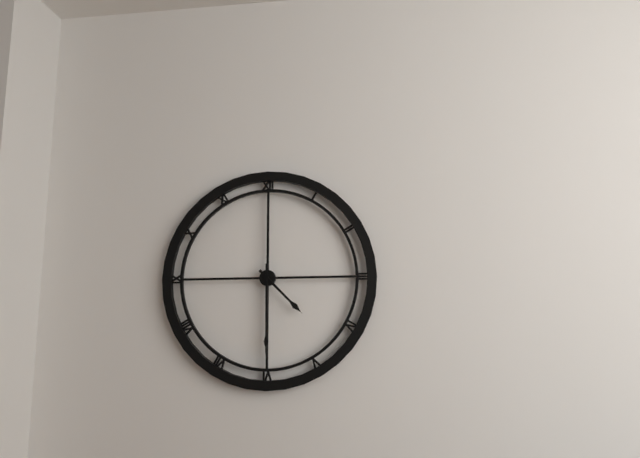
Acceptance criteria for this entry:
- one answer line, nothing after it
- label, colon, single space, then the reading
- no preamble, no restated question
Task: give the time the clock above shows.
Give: 4:30
